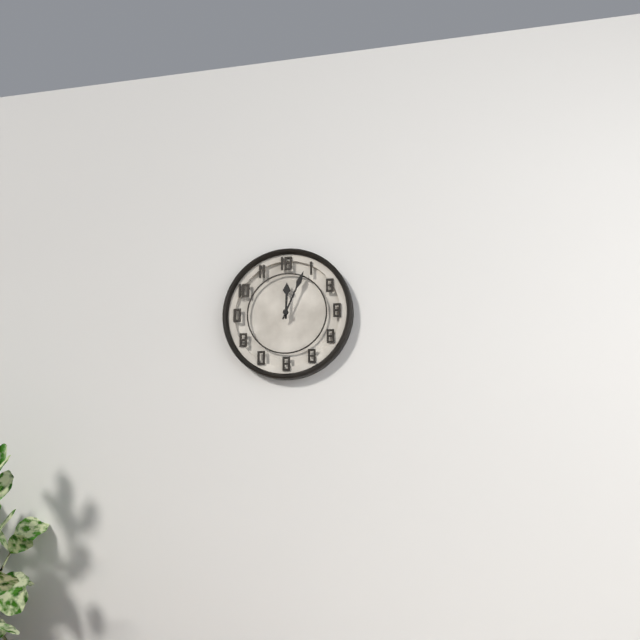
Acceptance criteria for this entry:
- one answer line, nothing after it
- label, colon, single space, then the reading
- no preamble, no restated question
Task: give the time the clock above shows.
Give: 12:04
